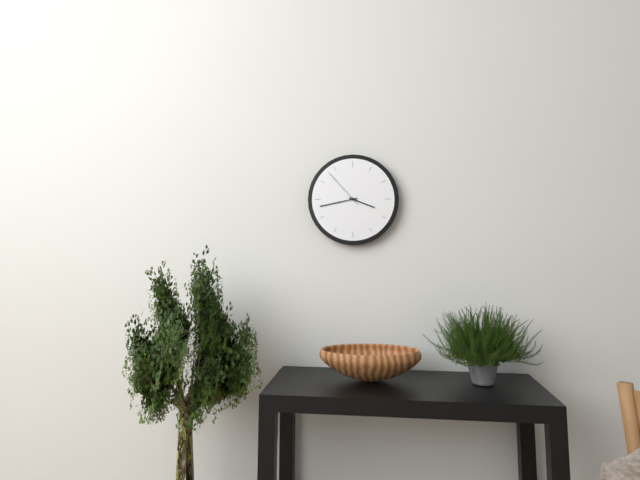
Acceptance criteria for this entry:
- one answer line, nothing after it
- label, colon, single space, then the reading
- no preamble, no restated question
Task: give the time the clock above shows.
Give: 3:43
